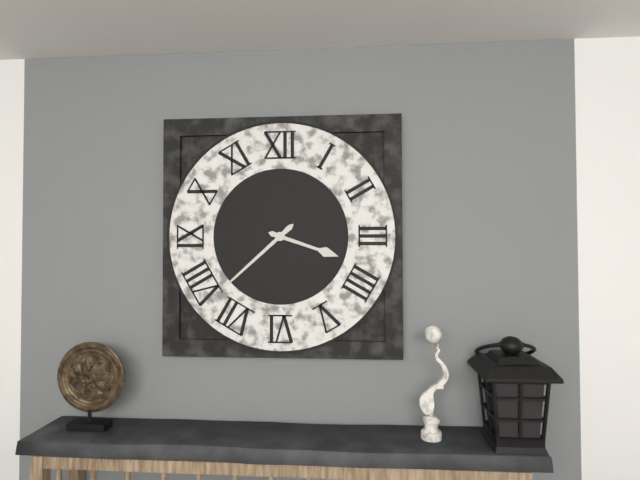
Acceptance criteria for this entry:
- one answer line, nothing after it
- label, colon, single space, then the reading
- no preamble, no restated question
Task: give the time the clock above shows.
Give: 3:38
